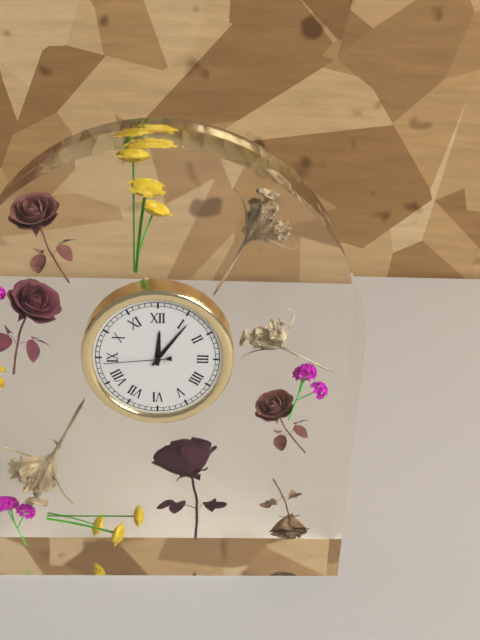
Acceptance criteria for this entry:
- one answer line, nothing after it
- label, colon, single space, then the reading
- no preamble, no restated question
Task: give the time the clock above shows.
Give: 12:06:44
